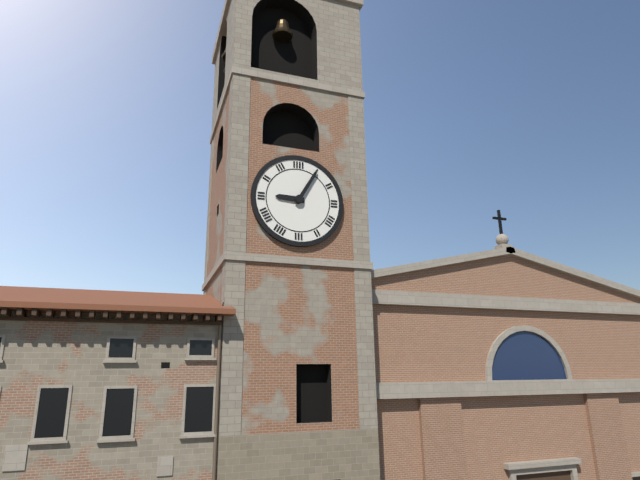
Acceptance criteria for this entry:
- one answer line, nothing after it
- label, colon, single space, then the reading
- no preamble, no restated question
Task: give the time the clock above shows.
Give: 9:05
